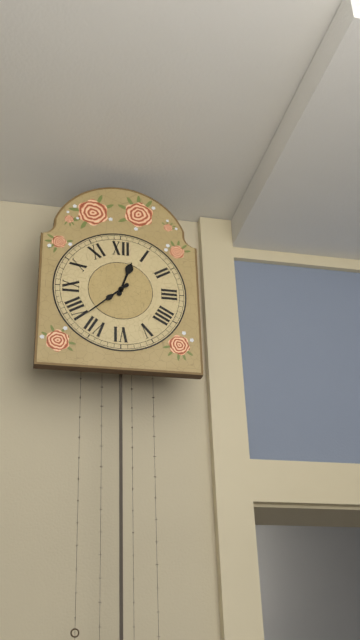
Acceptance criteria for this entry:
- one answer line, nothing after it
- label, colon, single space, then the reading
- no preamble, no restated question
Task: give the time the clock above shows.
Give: 12:38
